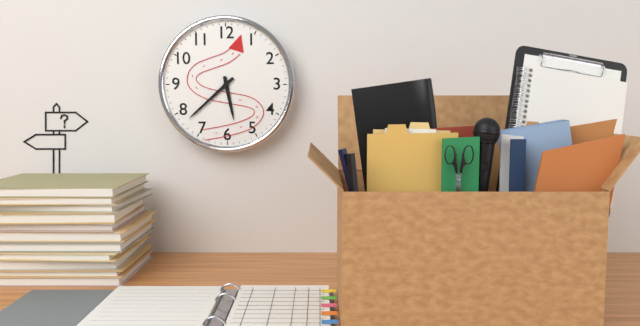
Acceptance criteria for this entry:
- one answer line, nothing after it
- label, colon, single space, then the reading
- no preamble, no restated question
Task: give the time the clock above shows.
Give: 5:38
